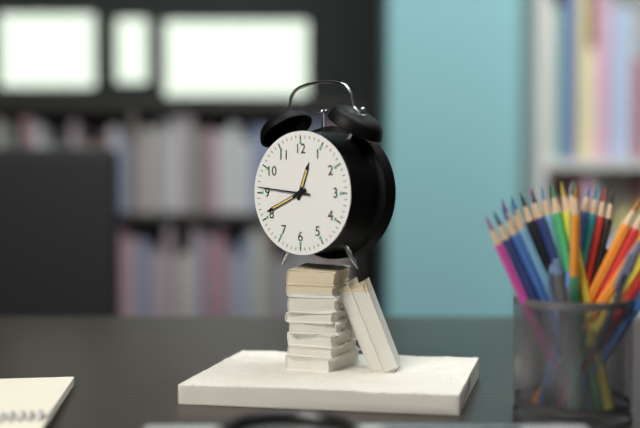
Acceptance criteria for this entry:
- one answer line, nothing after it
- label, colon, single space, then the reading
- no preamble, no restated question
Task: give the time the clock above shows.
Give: 12:41:46
